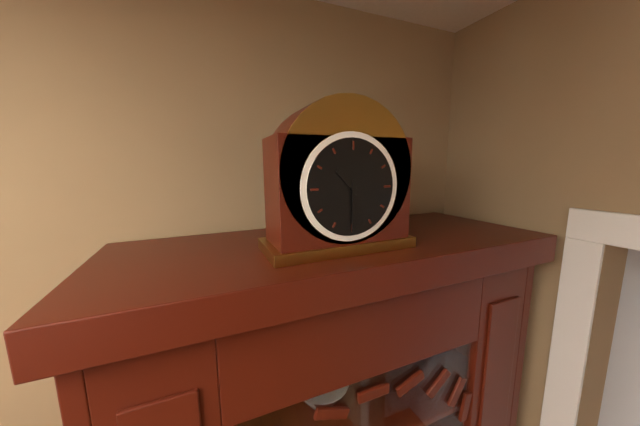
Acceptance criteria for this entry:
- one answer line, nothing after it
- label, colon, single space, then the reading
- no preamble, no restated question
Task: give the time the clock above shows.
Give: 10:30
